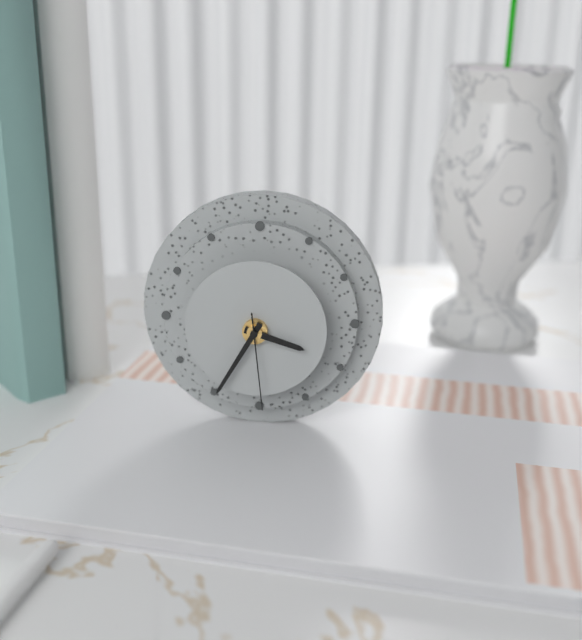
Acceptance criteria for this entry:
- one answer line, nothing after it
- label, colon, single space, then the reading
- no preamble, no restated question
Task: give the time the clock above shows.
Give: 3:35:29
